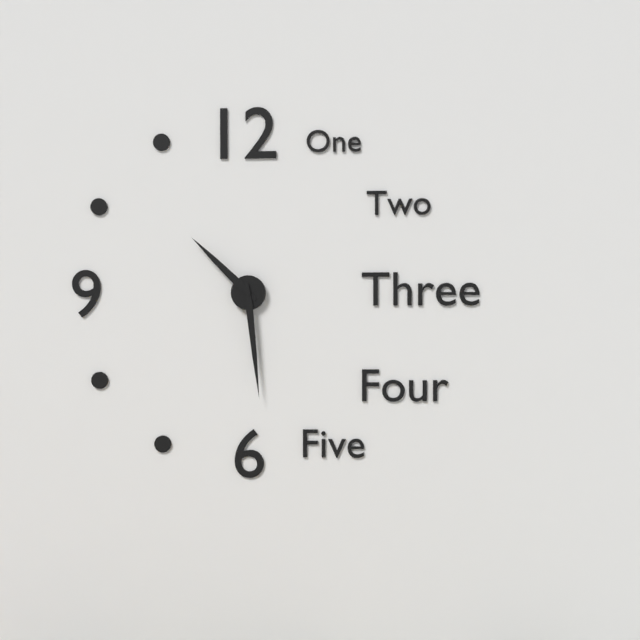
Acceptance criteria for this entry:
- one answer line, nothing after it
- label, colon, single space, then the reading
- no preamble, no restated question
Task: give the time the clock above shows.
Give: 10:29
